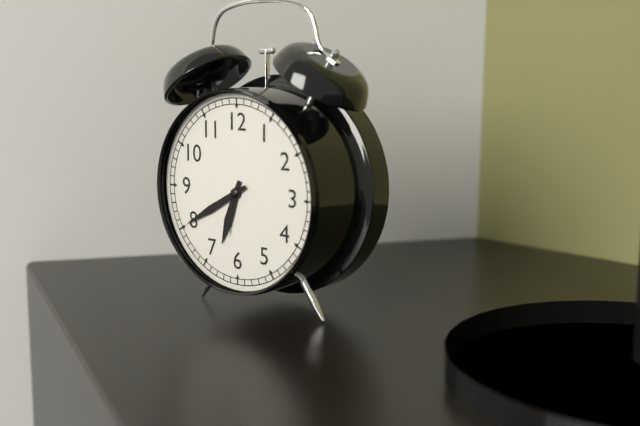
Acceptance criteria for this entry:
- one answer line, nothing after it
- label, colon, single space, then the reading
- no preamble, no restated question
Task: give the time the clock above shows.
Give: 6:40
